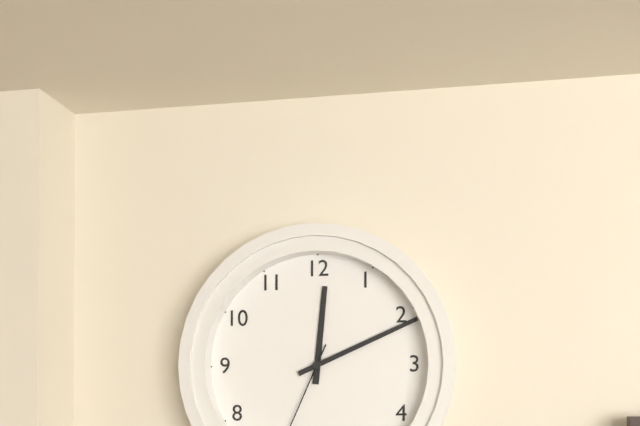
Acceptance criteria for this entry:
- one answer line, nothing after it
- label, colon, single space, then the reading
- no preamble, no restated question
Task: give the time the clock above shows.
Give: 12:11
